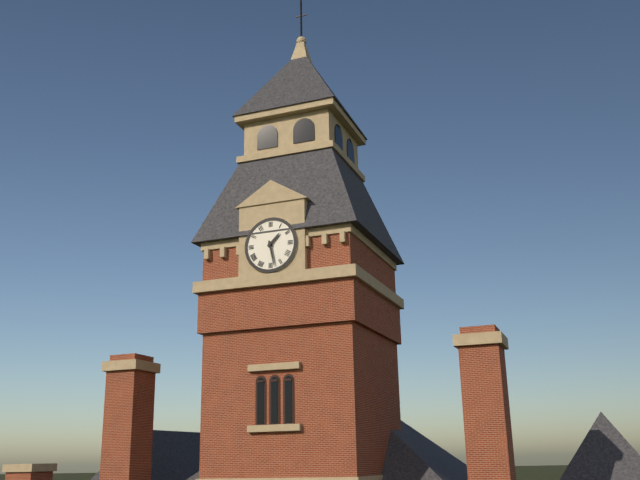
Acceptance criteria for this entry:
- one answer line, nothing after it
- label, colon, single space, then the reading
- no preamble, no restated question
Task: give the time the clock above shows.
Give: 1:28
